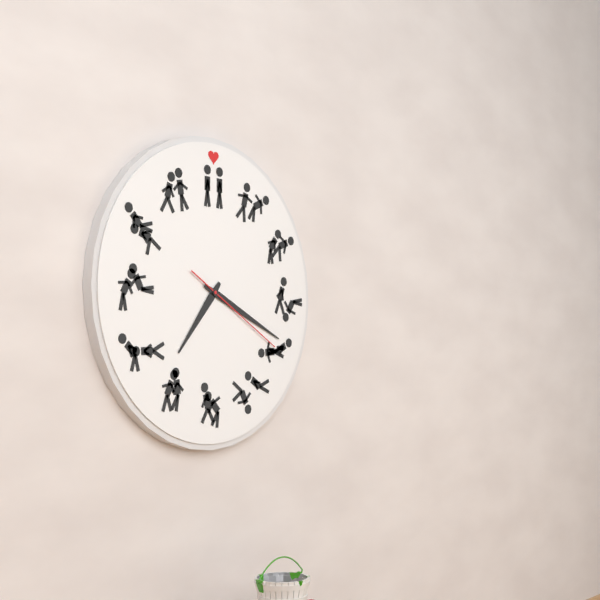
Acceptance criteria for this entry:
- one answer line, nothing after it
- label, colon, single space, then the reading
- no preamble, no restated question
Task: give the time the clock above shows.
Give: 7:19:20
